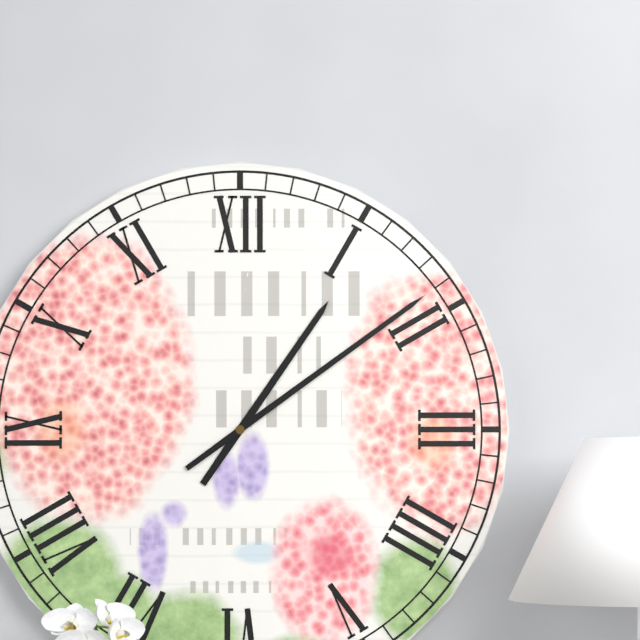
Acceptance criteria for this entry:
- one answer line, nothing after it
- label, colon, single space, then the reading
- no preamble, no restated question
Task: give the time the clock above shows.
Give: 1:09
